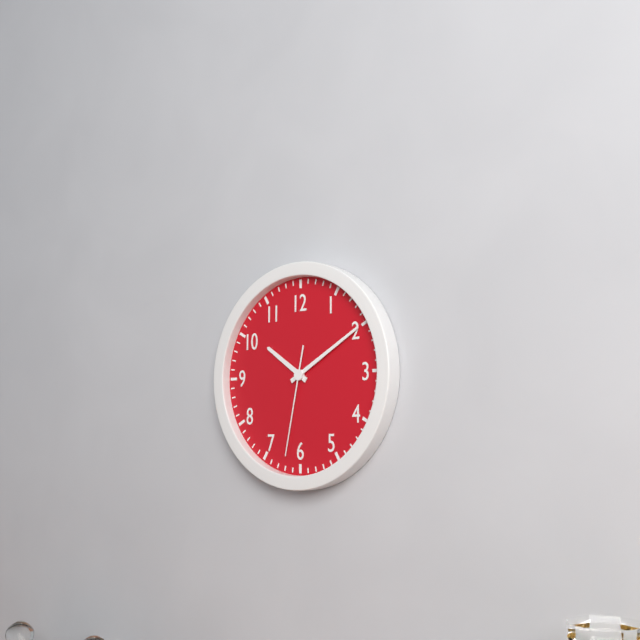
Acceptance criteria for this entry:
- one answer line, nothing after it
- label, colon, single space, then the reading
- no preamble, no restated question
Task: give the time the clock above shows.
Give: 10:10:32
